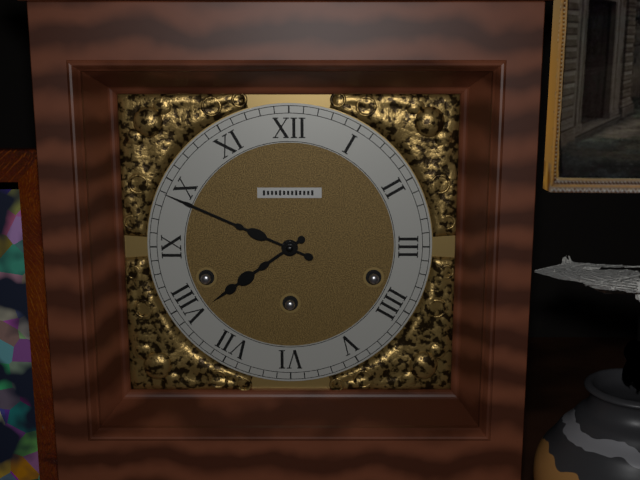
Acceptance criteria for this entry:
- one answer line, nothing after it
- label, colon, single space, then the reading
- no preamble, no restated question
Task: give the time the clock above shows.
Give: 7:49
